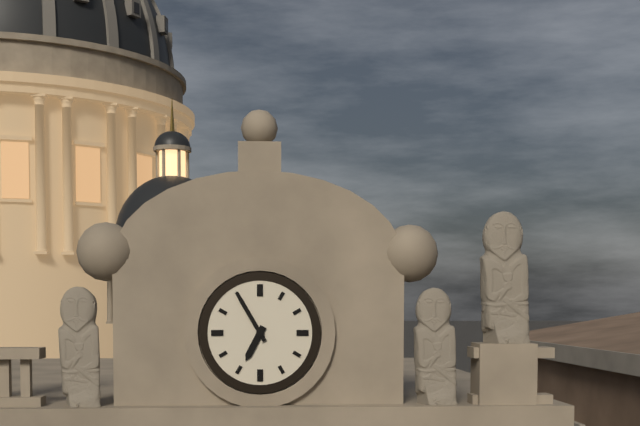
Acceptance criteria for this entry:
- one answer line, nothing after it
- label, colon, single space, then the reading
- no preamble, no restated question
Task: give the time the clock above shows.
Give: 6:55
